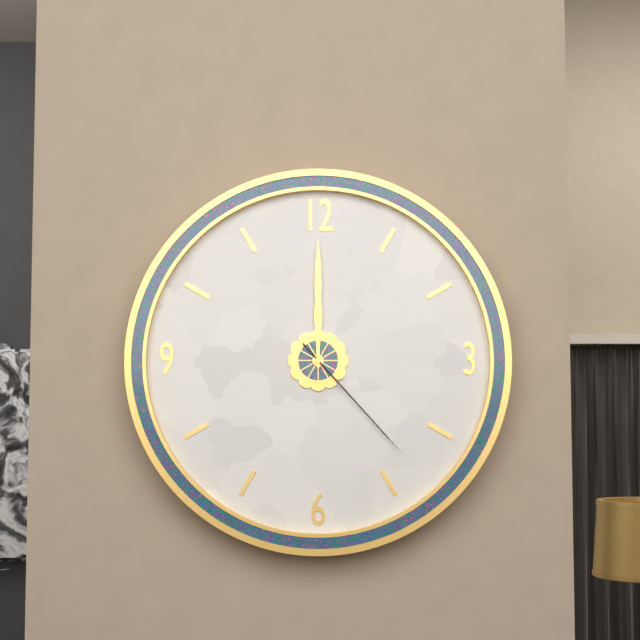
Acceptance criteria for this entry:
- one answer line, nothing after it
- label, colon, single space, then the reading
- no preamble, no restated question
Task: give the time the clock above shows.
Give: 12:00:23
